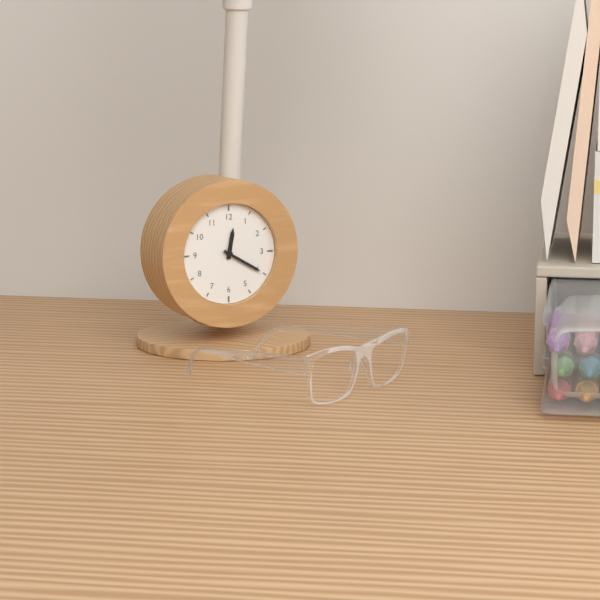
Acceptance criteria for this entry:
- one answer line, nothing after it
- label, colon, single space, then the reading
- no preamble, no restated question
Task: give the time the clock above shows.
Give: 12:20
